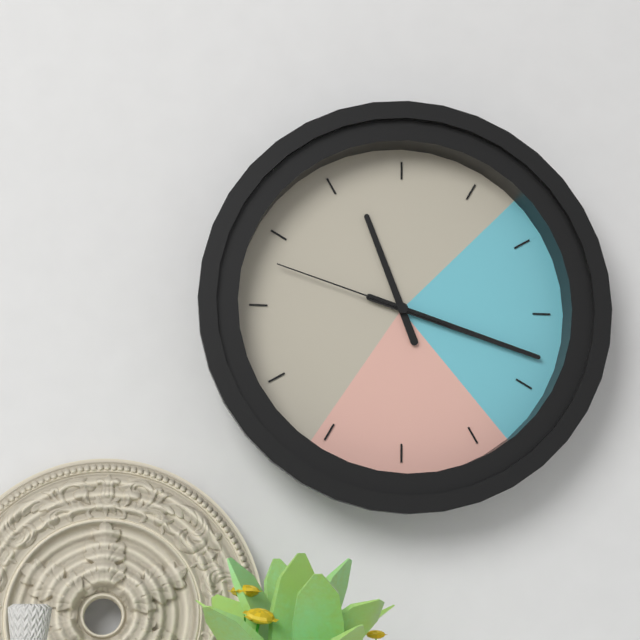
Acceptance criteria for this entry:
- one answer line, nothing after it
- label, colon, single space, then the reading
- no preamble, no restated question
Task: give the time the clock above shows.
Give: 11:18:48
